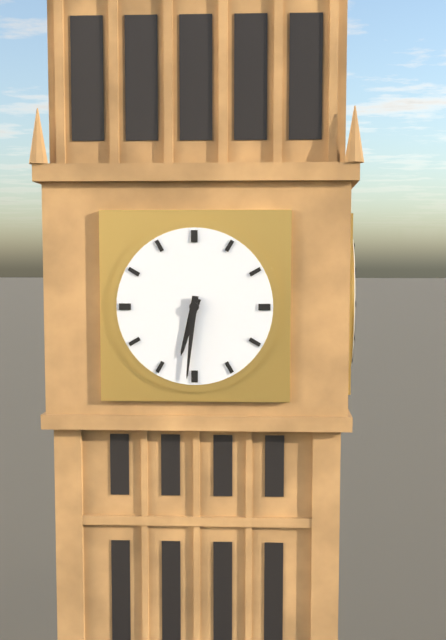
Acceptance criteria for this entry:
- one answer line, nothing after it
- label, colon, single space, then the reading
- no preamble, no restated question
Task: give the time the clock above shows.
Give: 6:31
